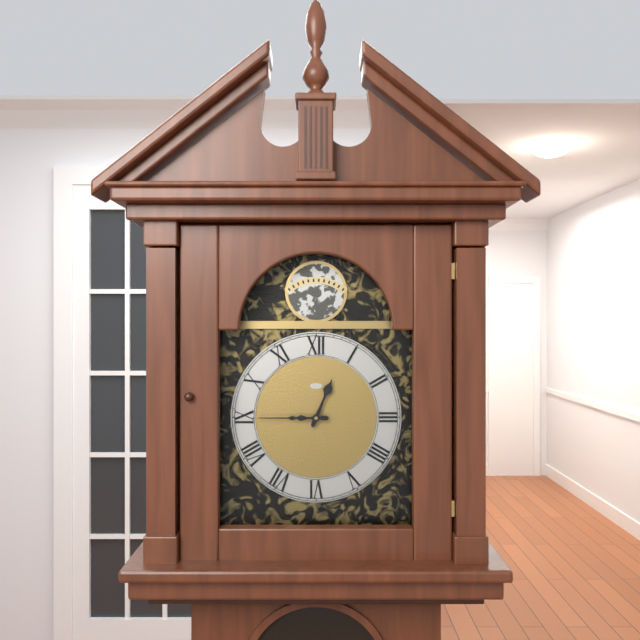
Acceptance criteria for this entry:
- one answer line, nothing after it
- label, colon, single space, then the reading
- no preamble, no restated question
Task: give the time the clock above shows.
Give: 12:45
